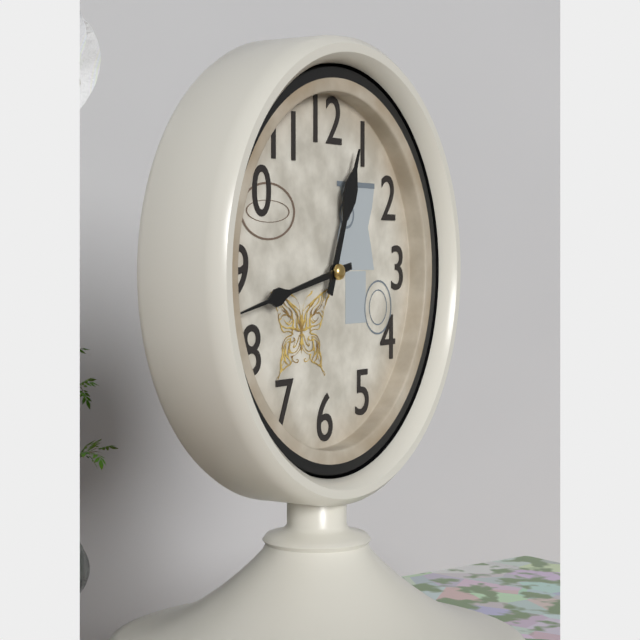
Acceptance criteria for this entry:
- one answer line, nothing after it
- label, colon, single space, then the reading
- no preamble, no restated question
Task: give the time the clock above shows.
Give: 12:43
